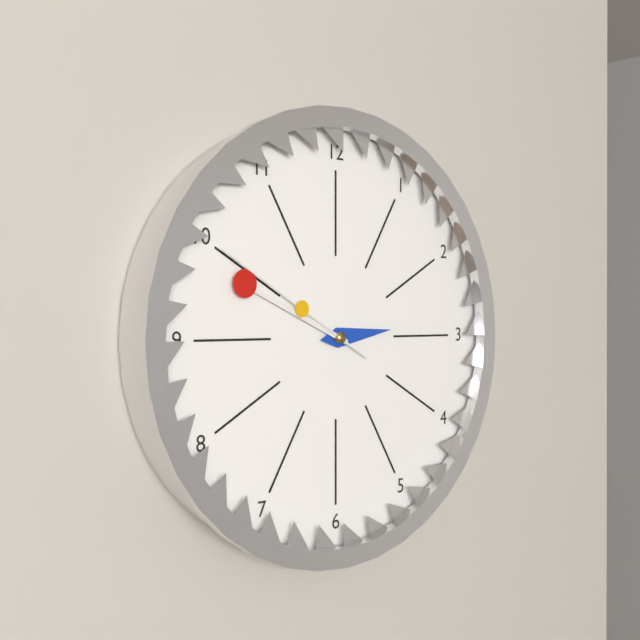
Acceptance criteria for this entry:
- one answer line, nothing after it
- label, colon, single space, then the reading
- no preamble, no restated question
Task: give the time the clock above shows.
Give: 2:49:50
